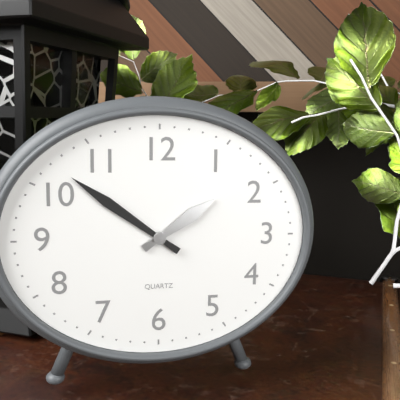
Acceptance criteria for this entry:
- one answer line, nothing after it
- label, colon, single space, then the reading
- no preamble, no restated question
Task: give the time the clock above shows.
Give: 1:51
